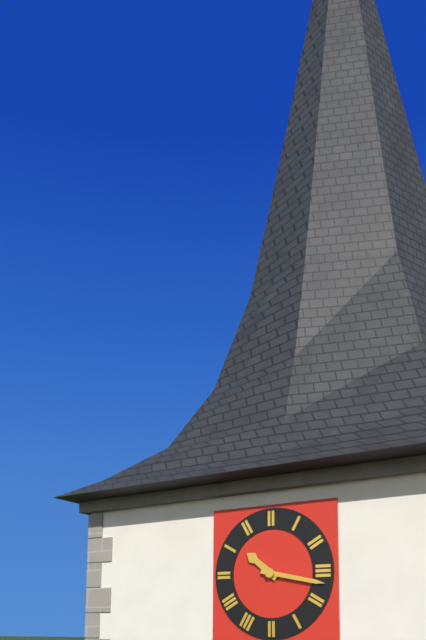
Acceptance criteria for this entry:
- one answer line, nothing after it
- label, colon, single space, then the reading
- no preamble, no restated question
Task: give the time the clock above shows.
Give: 10:17
